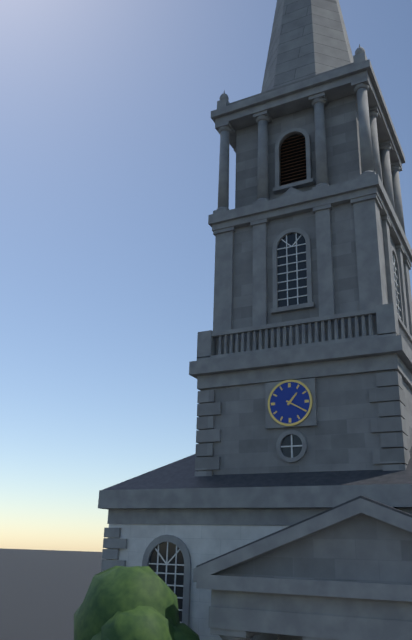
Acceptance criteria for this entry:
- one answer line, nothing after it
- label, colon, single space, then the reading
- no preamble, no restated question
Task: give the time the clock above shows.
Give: 1:20
